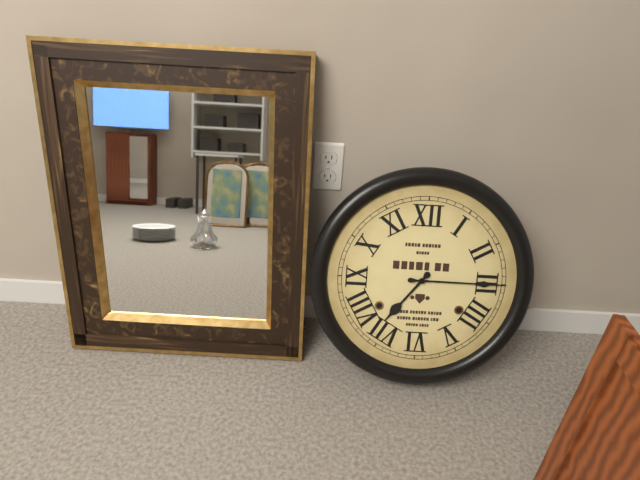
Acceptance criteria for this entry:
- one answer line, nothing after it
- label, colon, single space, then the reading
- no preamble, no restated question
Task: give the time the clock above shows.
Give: 7:15
